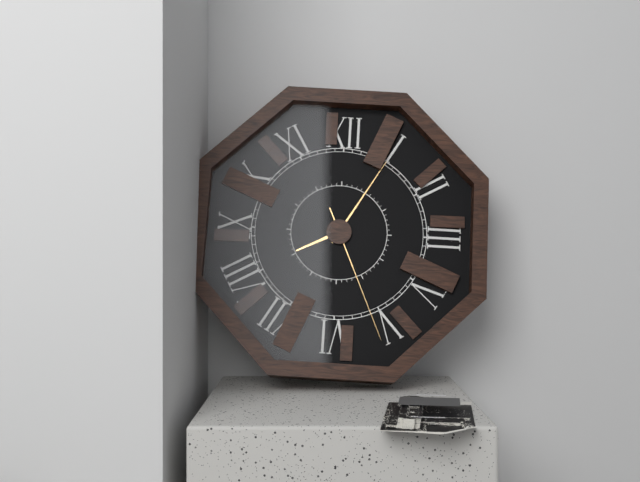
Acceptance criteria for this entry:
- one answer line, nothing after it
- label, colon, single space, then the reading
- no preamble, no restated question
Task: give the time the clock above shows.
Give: 8:05:26
